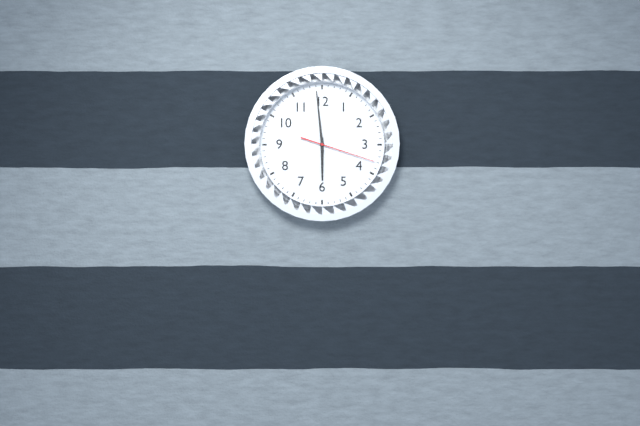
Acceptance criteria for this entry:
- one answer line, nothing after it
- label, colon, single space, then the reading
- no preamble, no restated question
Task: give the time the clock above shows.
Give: 5:59:18
